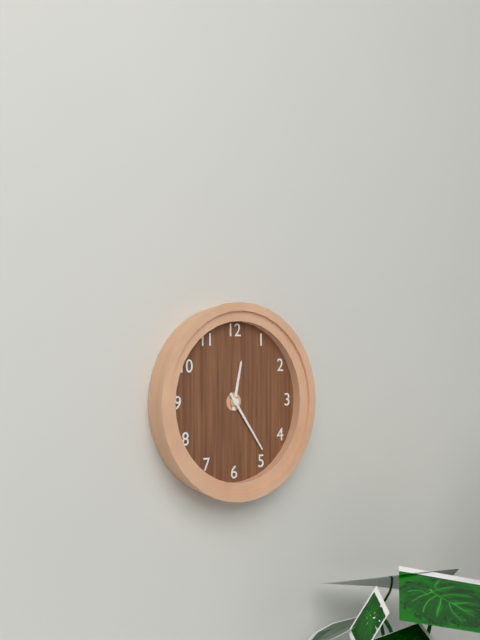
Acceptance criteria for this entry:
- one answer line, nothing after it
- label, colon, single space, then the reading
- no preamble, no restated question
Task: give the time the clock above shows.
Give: 12:24
